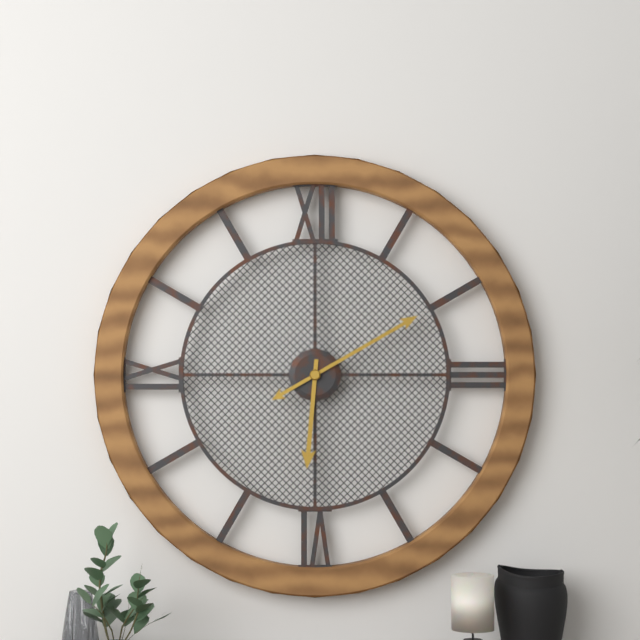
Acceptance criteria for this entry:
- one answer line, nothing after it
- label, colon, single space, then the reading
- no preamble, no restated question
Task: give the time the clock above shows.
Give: 6:10
